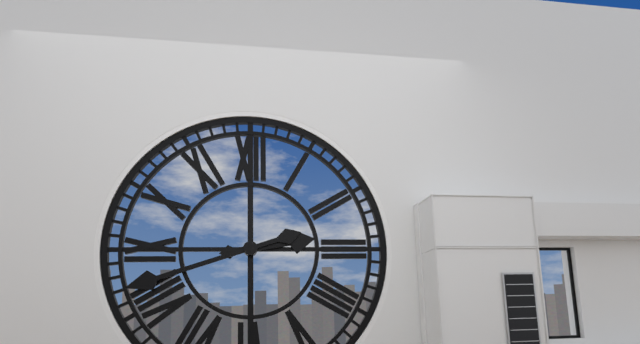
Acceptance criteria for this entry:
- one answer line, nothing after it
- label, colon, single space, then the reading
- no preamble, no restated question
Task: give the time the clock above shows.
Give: 2:42
